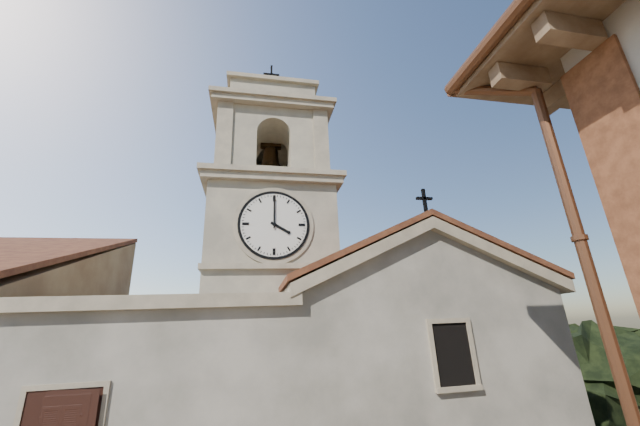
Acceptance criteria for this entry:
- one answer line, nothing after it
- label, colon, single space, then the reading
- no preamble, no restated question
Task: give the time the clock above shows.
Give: 4:00
